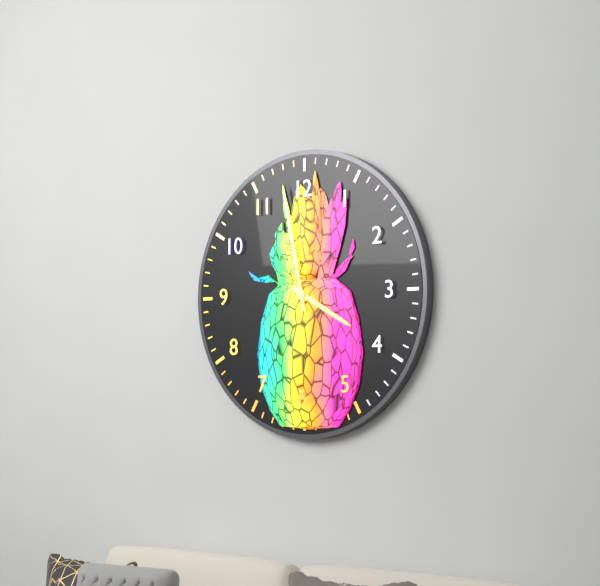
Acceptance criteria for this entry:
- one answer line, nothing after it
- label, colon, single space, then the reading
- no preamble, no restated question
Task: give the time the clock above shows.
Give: 3:58
